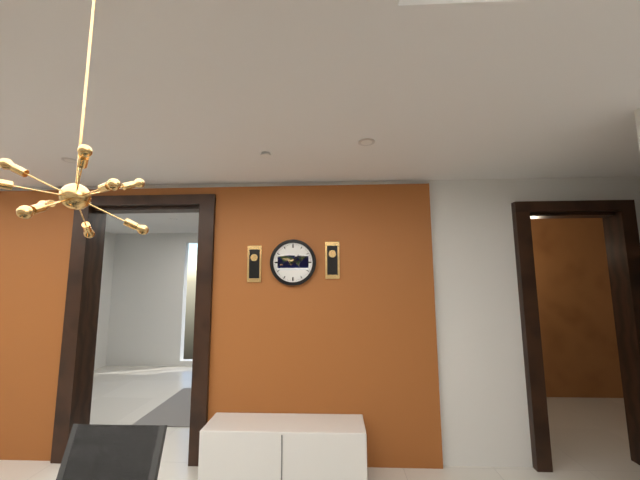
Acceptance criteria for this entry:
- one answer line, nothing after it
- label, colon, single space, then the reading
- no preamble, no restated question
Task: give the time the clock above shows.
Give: 1:12
